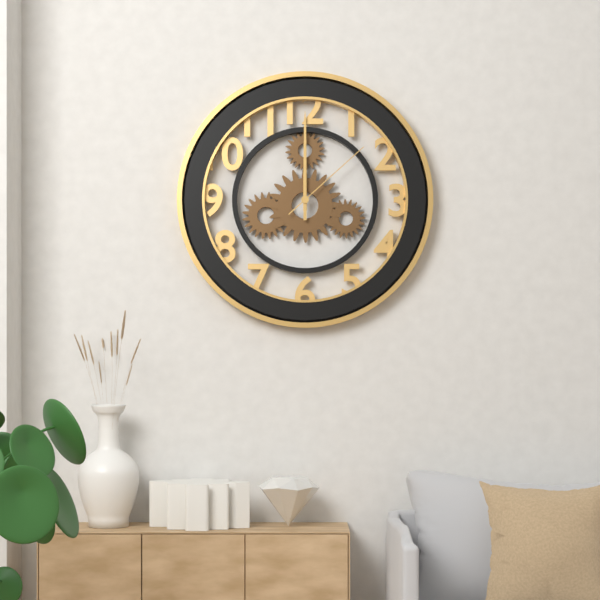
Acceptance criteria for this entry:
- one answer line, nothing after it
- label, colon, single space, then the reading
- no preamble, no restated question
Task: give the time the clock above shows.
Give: 12:00:08
